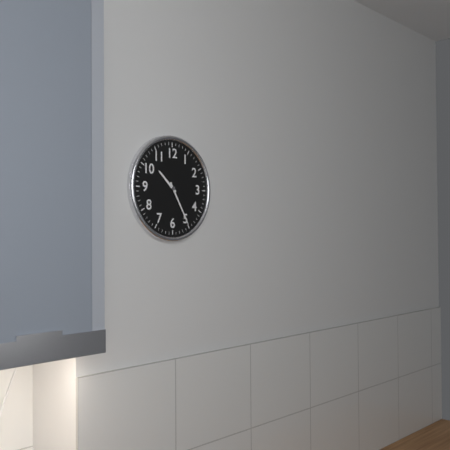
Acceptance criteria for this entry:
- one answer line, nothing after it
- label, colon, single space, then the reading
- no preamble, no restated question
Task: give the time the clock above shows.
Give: 10:25
